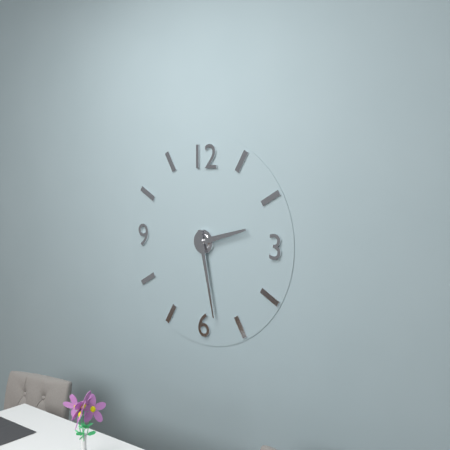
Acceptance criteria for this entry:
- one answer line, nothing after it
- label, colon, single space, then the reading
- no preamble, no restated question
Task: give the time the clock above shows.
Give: 2:28
